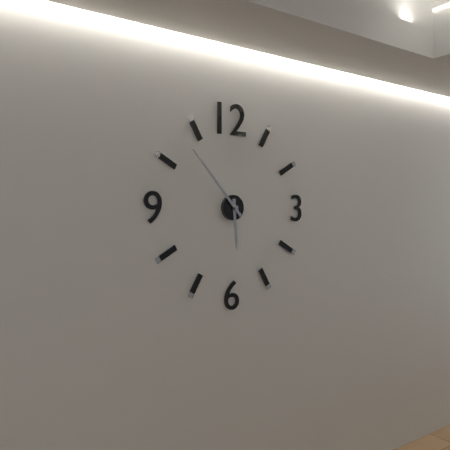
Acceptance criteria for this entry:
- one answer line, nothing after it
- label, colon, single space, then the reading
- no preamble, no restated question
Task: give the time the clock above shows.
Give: 5:53
